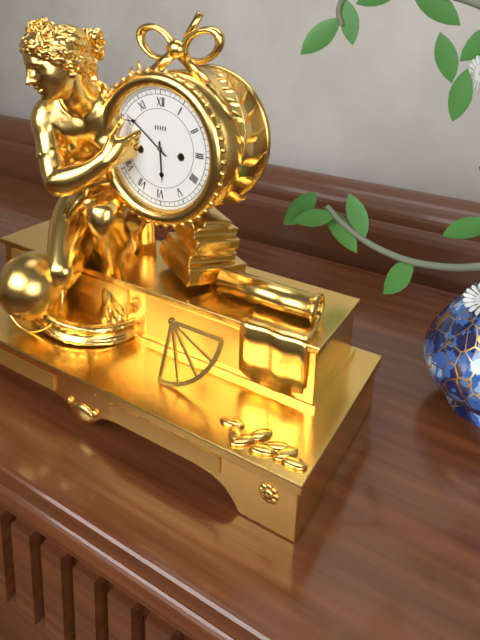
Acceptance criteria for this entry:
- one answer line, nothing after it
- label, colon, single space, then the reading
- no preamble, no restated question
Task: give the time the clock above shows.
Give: 5:51
